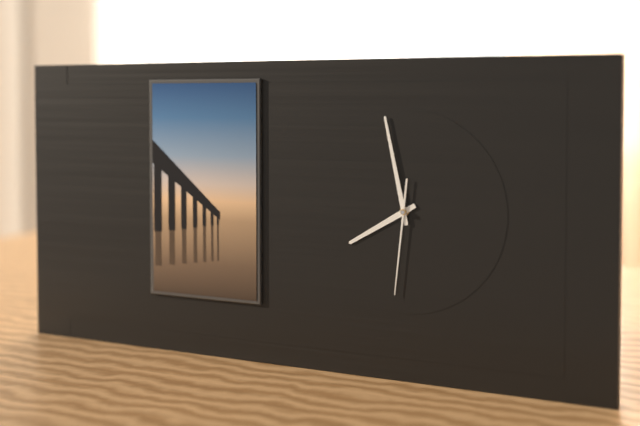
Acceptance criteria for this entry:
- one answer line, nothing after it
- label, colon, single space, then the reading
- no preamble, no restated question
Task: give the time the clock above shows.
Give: 7:58:31
